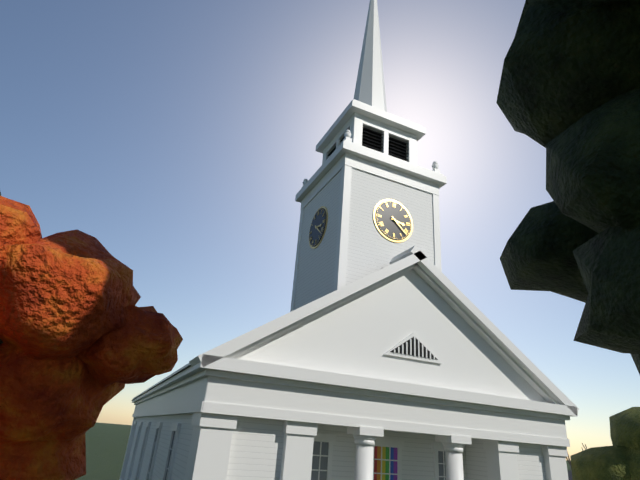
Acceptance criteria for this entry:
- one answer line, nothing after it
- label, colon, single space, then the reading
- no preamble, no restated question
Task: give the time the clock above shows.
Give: 3:22
